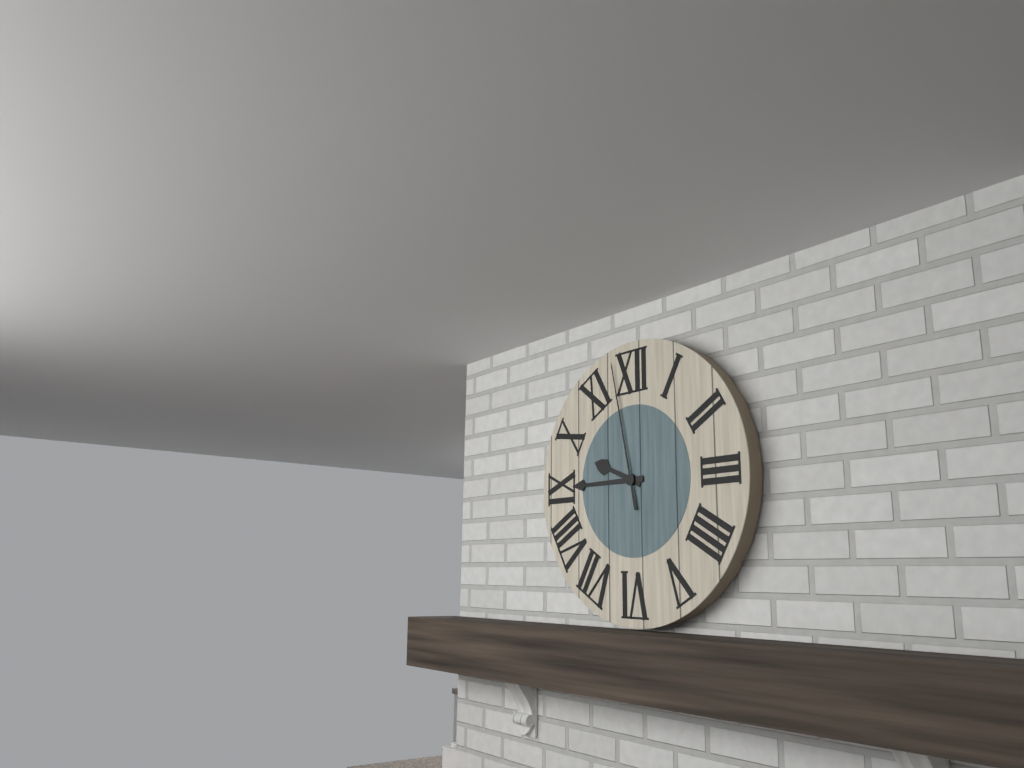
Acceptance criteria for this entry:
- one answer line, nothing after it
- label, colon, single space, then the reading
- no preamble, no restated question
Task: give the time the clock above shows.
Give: 9:45:58
